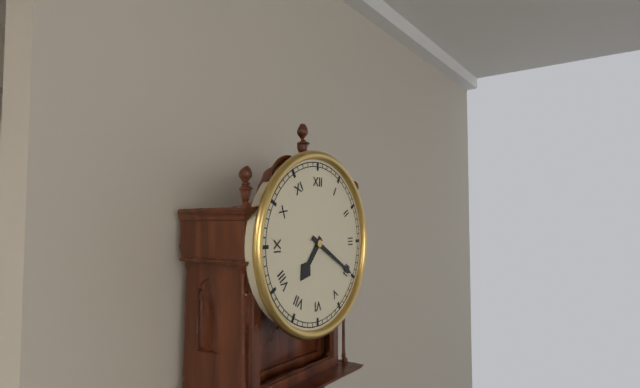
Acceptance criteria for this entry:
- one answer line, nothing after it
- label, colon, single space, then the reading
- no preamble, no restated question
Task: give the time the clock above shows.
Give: 7:20
